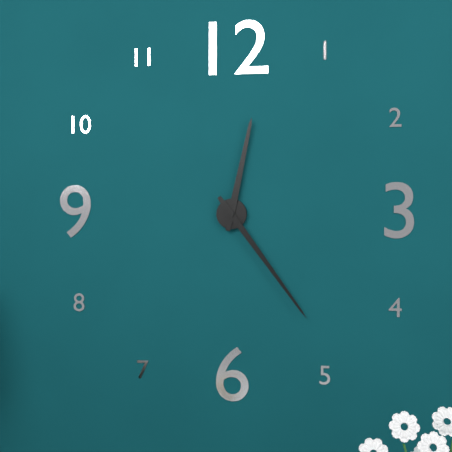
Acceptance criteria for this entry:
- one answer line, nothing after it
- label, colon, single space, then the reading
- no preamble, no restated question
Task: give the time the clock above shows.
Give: 12:24
